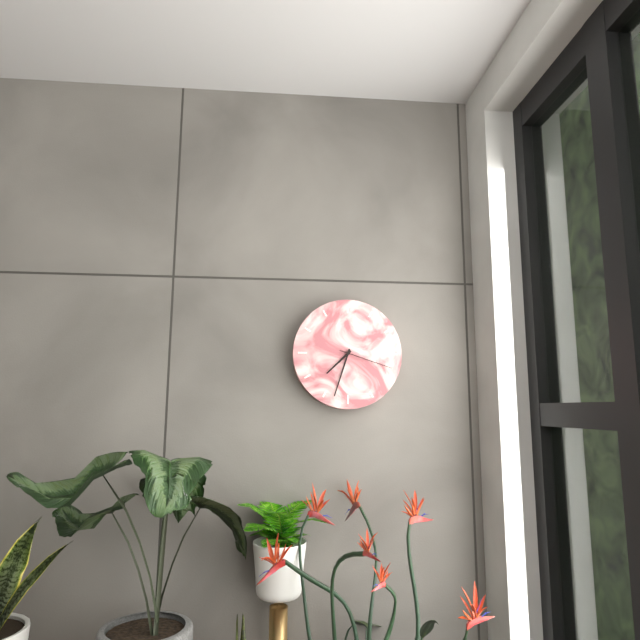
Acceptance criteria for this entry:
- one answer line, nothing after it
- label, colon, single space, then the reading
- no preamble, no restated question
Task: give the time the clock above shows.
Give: 7:33:18
